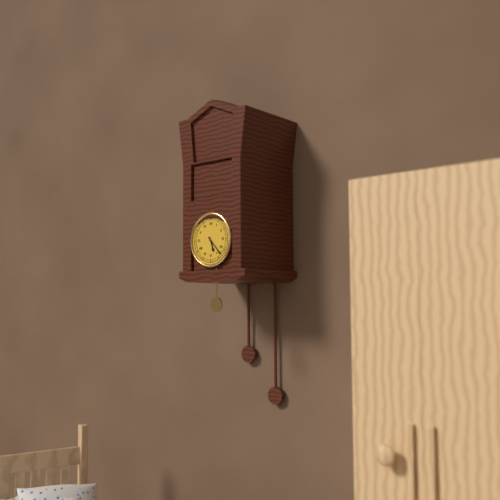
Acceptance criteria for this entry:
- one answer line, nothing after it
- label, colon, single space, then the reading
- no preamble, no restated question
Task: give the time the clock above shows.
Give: 5:23
